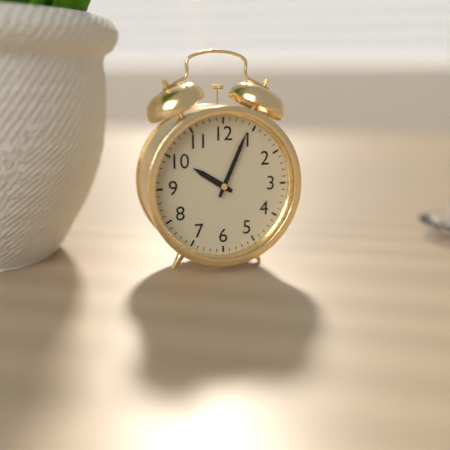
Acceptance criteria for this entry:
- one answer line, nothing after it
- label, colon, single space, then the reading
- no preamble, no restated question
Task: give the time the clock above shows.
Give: 10:04
